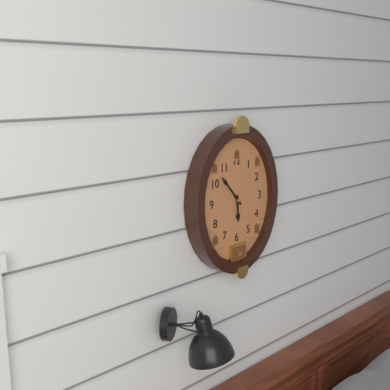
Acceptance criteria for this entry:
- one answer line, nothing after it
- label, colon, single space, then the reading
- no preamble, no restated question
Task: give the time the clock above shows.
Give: 5:53
